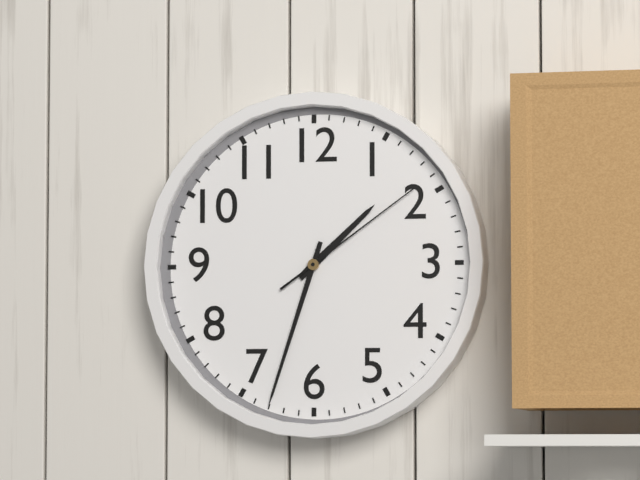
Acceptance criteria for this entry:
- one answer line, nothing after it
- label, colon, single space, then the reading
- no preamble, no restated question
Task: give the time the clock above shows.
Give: 1:33:09
